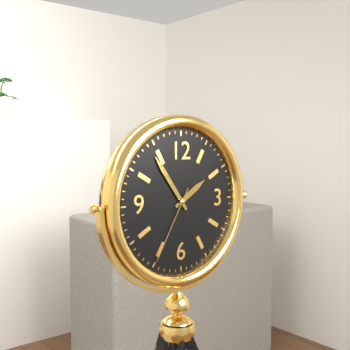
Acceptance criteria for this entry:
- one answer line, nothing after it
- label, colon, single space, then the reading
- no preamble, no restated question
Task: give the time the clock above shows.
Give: 1:54:35
